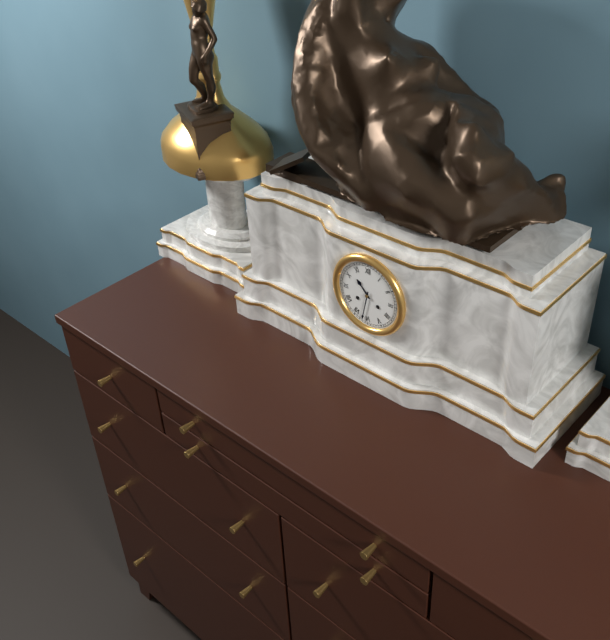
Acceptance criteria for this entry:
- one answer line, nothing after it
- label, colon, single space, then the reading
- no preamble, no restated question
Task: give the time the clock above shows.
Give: 10:32
